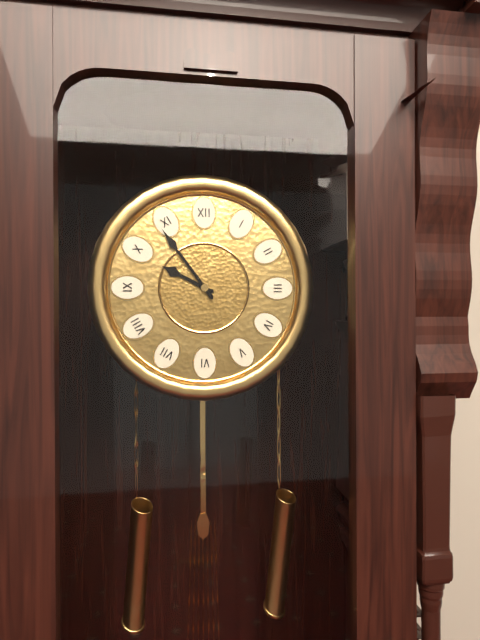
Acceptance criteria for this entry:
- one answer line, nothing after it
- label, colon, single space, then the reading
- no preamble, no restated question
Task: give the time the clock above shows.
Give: 9:54
